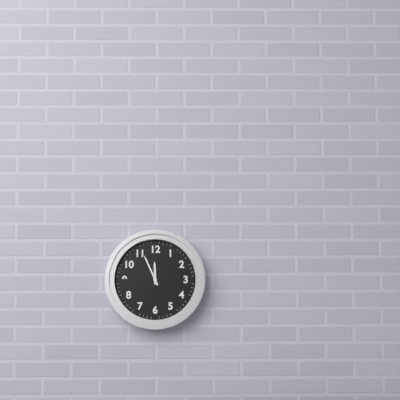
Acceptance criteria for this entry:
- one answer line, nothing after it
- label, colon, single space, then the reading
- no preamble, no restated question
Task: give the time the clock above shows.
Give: 11:56
